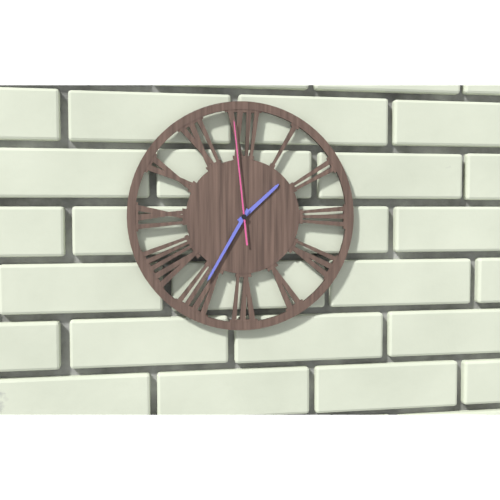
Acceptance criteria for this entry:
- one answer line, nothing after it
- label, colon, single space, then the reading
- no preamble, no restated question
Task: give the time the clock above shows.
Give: 1:35:59
